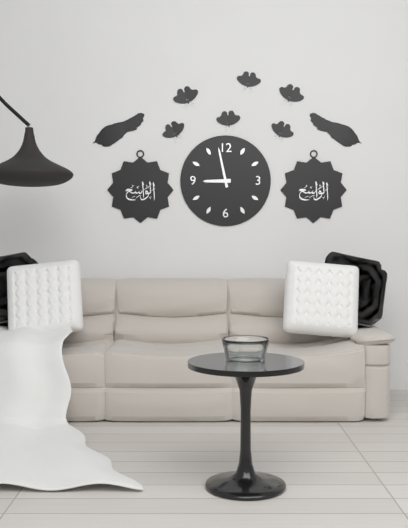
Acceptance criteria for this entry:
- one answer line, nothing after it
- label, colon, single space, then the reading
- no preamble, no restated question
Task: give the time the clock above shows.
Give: 8:58
